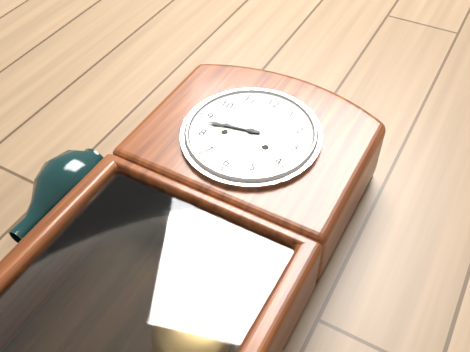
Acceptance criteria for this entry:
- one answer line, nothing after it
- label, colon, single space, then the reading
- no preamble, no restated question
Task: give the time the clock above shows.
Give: 8:43
